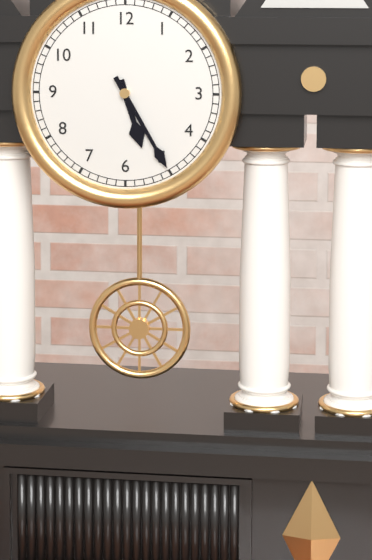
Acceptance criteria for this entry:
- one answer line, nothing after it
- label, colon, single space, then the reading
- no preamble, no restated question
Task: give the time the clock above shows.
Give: 5:25
